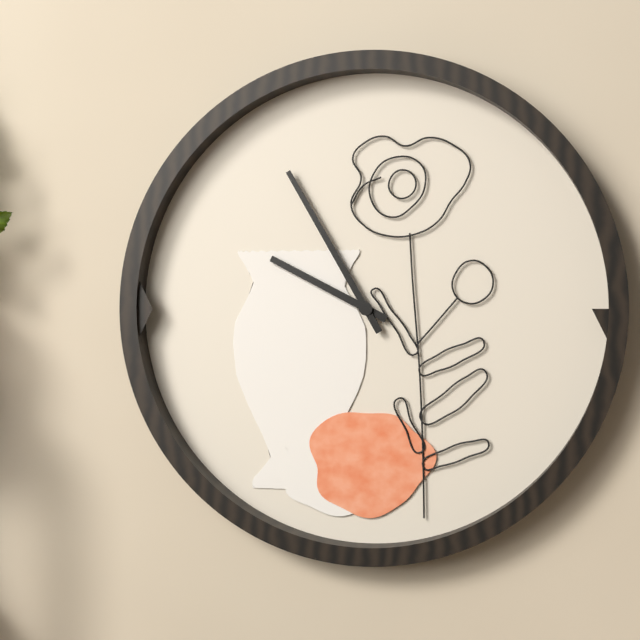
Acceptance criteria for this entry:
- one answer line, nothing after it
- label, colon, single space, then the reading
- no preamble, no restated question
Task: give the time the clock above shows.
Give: 9:55
